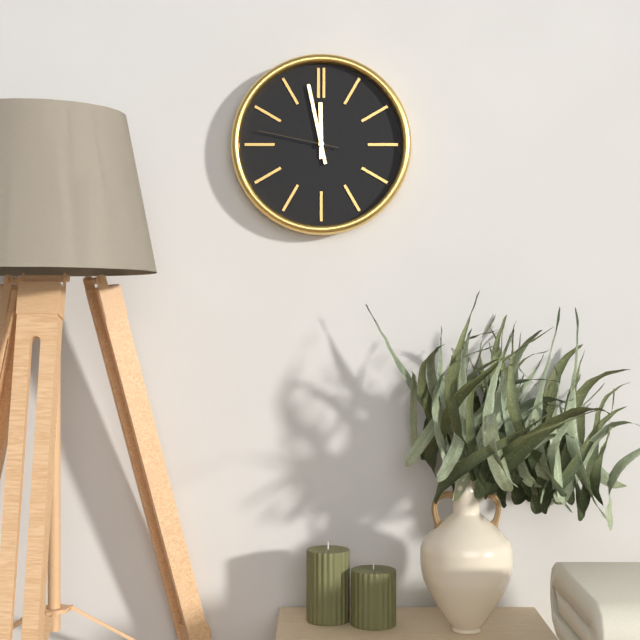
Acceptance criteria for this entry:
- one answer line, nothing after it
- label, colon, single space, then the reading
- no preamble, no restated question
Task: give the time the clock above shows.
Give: 11:58:47
